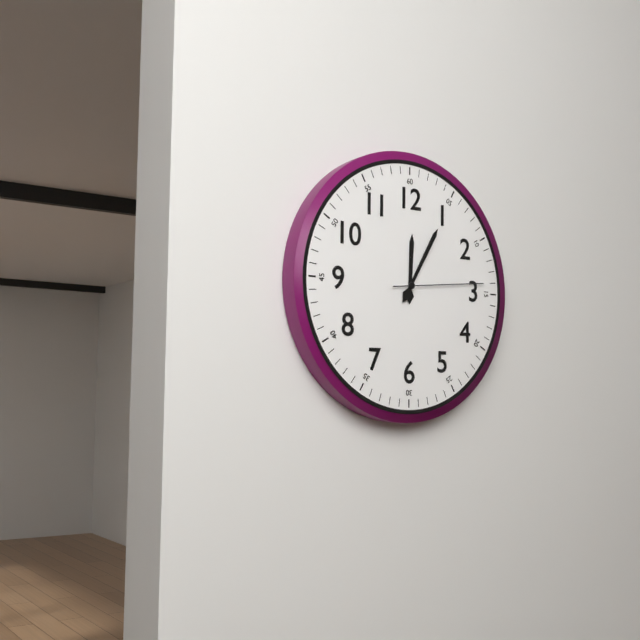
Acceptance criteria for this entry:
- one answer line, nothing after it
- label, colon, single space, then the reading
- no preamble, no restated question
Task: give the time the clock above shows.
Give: 12:05:14
